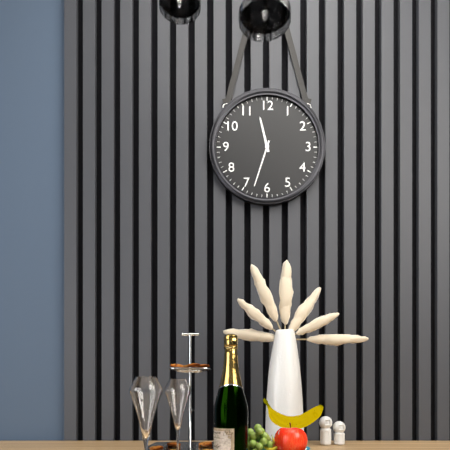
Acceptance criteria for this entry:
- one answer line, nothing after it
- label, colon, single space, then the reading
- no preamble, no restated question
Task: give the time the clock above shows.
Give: 11:33
